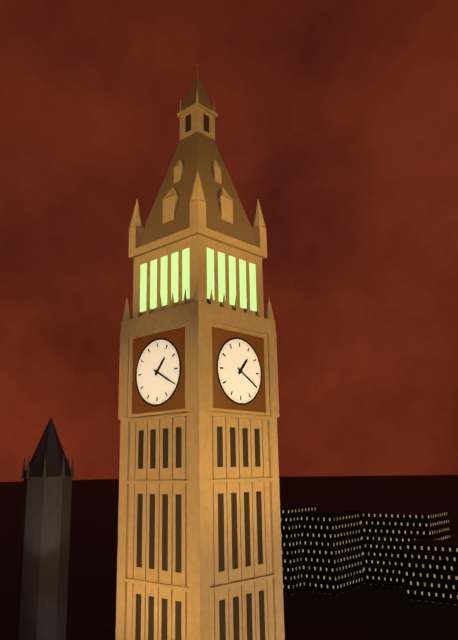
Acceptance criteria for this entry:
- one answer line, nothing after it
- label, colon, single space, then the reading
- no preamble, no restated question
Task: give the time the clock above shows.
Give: 1:20
